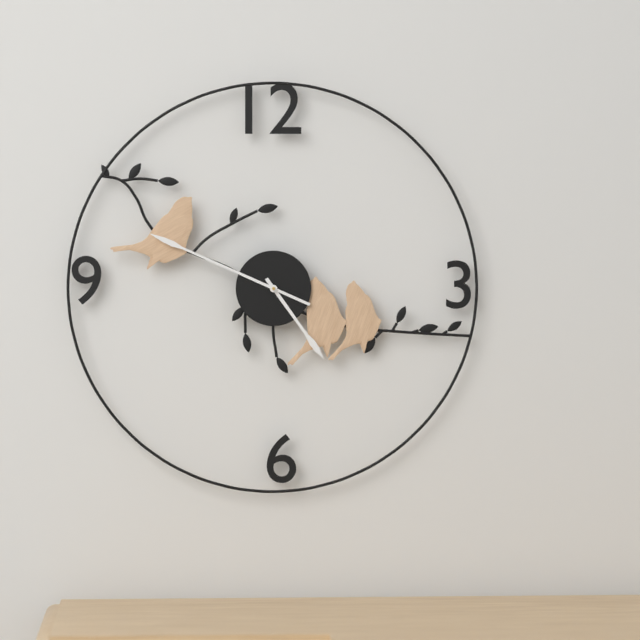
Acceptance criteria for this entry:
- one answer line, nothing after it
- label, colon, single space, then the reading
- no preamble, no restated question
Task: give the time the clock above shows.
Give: 4:49
